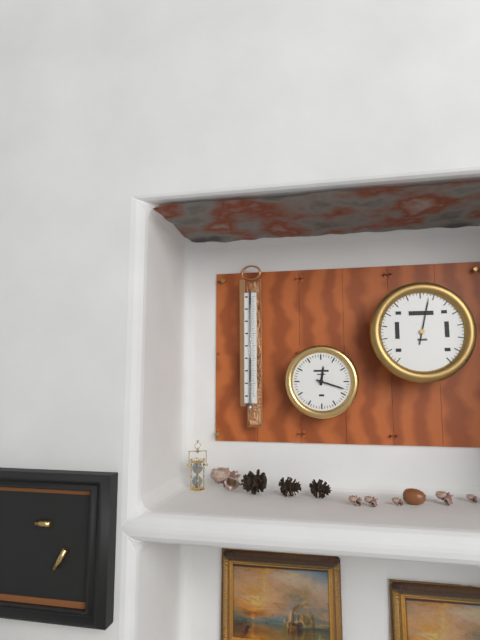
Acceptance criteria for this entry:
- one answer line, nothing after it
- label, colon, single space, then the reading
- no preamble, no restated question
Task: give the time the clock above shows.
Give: 12:18
